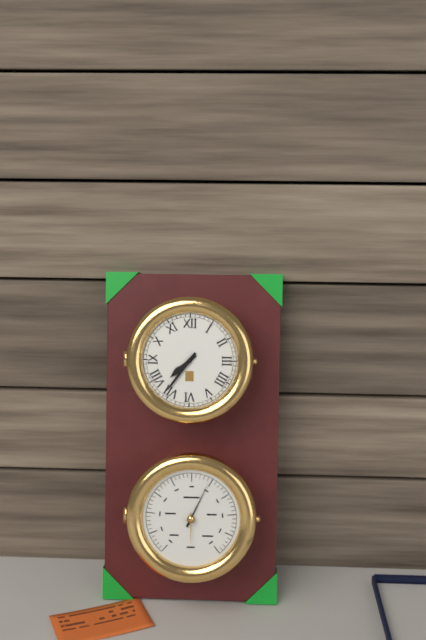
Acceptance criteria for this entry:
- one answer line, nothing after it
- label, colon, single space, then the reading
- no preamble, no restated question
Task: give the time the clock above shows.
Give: 7:36
